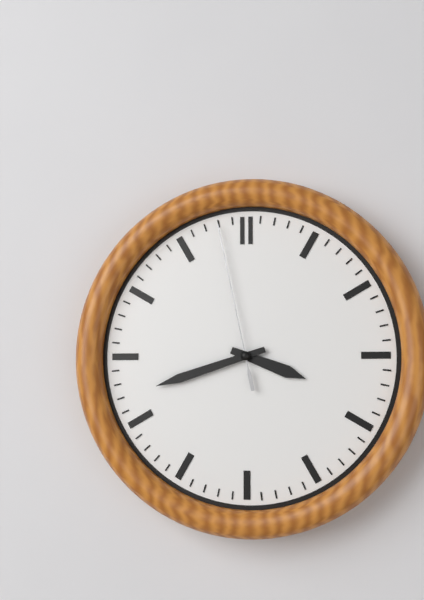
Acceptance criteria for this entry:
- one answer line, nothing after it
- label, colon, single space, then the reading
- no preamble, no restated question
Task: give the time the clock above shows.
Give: 3:42:58
